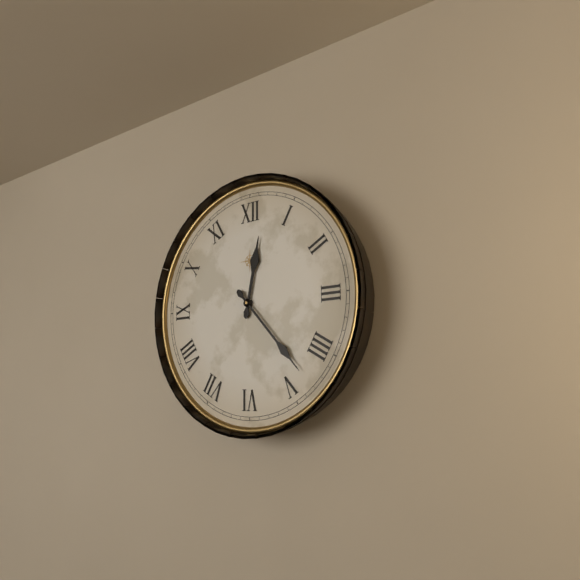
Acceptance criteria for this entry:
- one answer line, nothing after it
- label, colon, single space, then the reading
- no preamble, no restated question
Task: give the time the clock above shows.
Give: 12:23
